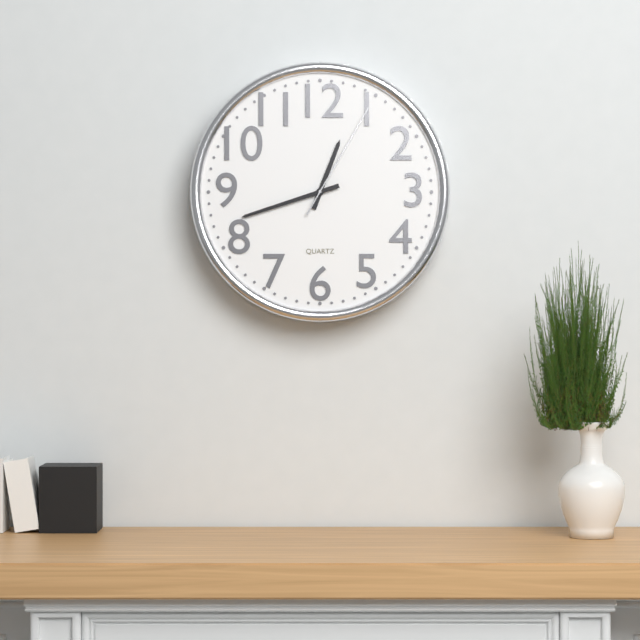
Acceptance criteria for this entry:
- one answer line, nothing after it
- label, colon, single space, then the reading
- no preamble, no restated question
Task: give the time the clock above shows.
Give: 12:42:05
